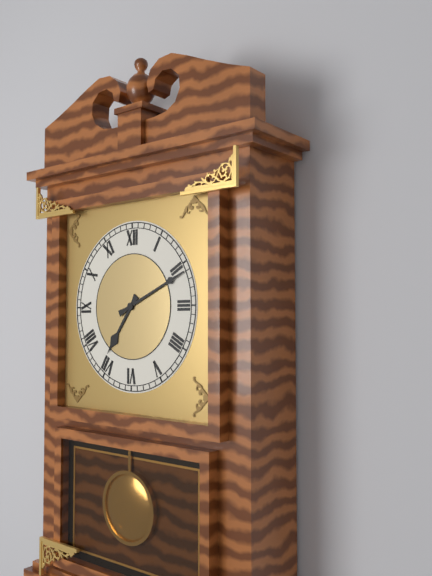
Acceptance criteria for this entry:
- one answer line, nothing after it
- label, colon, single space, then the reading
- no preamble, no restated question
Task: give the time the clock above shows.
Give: 7:11
